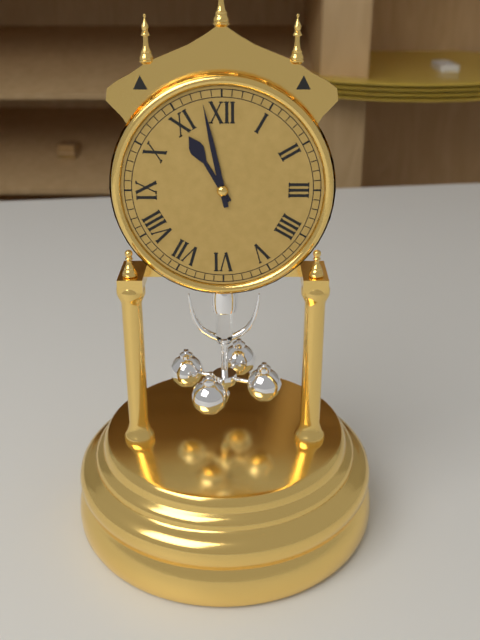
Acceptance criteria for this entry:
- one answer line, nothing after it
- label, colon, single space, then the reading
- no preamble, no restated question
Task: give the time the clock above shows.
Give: 10:58
